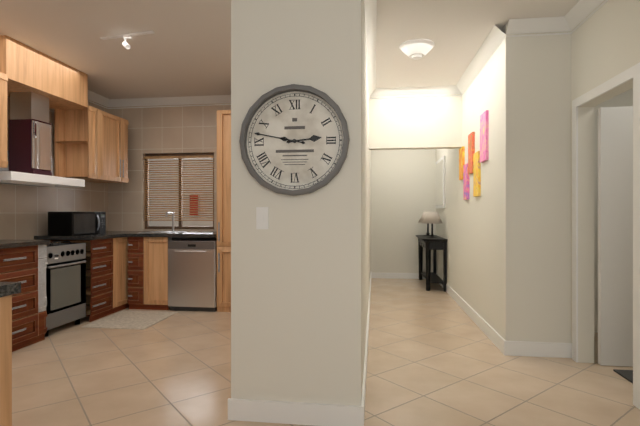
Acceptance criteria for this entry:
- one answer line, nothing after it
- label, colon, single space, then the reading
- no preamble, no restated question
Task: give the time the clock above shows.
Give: 2:47
